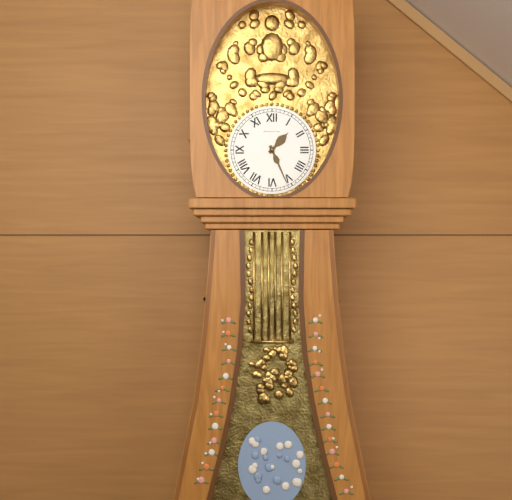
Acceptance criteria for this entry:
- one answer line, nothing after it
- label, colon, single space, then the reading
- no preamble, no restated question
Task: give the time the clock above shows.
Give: 1:26
